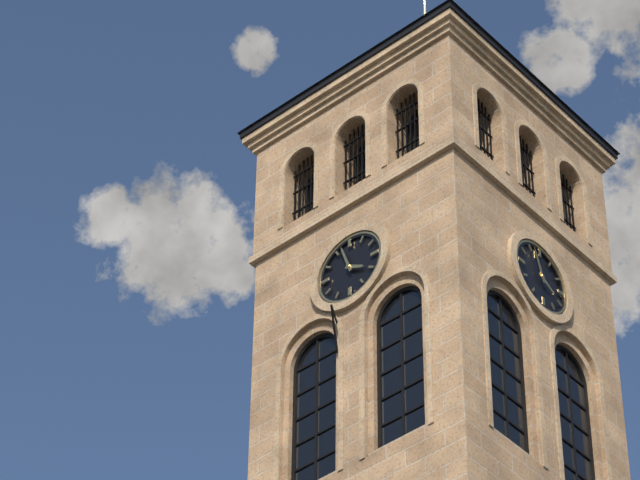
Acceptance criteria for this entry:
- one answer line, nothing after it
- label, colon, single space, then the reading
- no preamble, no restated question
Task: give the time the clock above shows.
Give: 3:57
